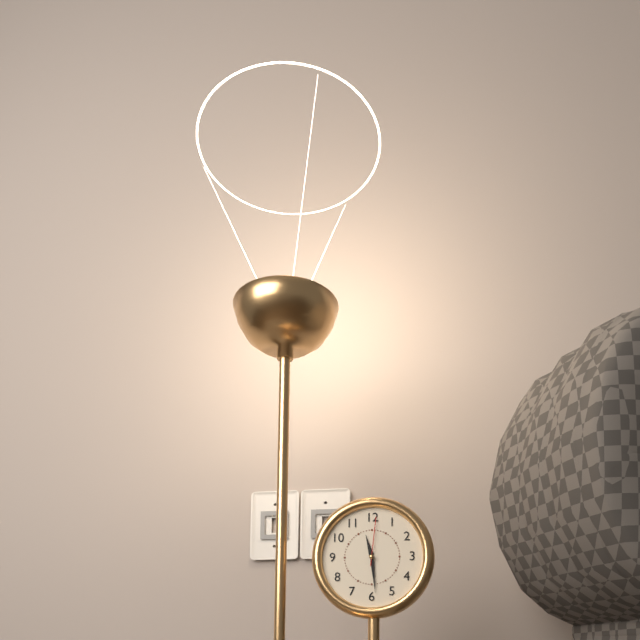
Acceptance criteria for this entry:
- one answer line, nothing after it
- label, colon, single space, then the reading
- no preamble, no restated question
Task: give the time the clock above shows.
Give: 11:29:01
